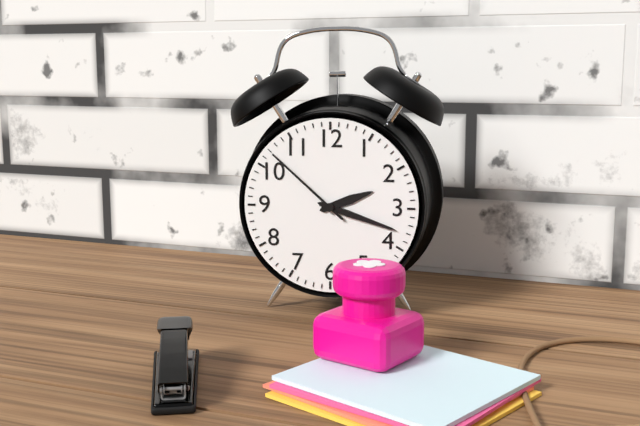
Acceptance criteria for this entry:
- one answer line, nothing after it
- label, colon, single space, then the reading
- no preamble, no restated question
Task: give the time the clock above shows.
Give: 2:18:52
